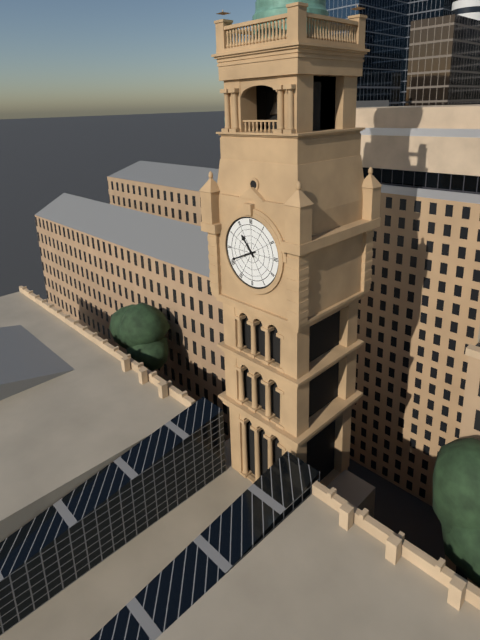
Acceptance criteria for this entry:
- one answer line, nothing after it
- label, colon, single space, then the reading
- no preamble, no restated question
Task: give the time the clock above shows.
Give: 10:41
